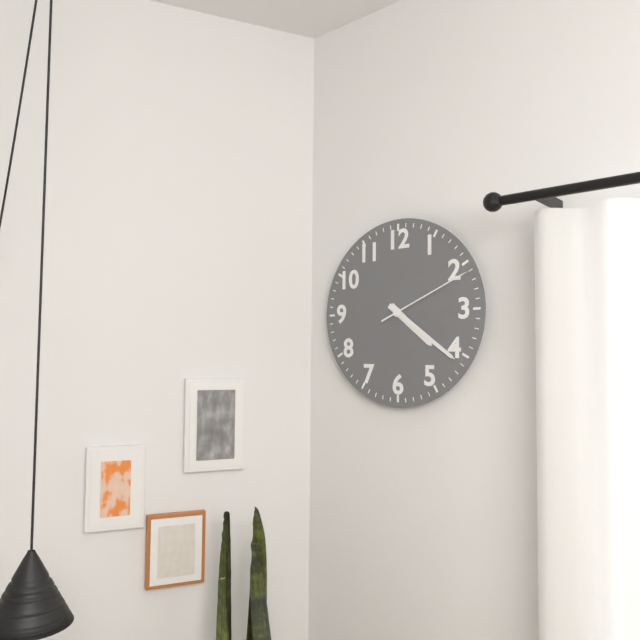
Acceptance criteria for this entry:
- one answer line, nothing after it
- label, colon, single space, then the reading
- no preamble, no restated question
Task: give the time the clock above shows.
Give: 4:21:11
